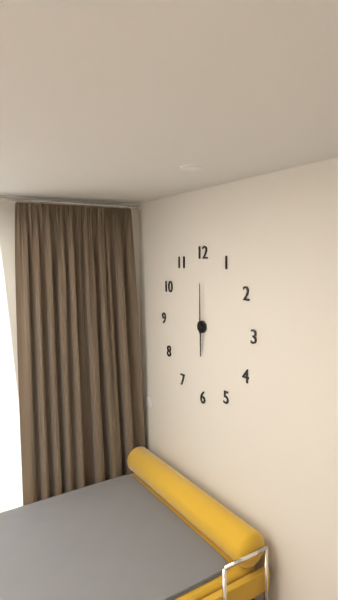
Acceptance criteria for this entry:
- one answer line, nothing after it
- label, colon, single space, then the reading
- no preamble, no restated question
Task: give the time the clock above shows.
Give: 6:00
